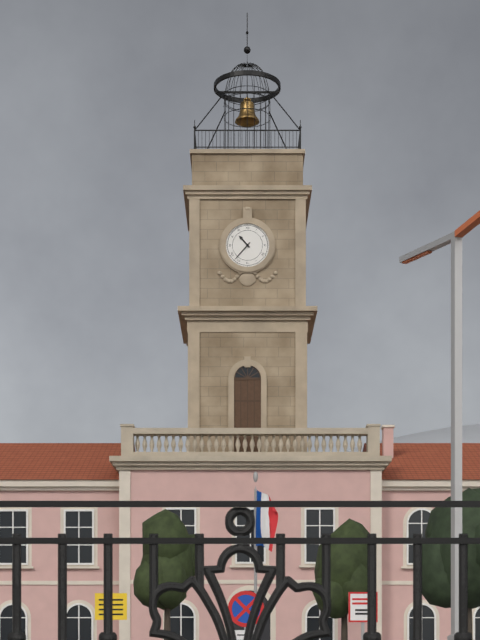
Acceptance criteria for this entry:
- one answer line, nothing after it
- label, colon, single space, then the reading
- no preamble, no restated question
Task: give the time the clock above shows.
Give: 10:37
